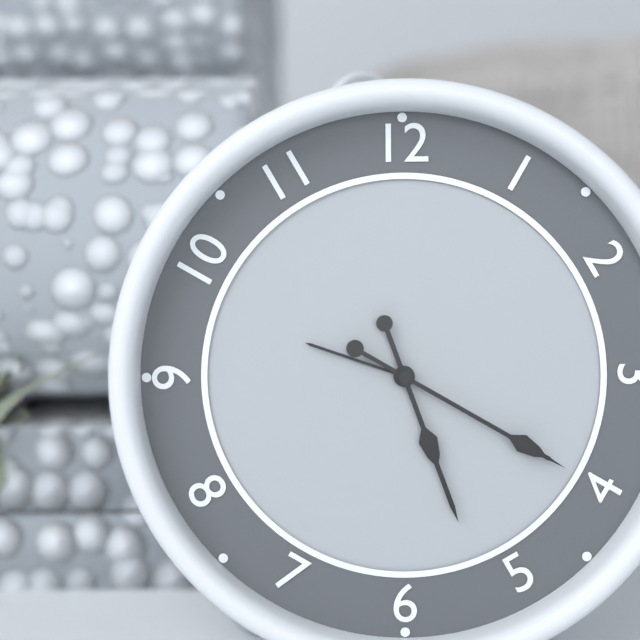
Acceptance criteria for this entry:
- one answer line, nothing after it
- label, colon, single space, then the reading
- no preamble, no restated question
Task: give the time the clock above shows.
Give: 5:20
